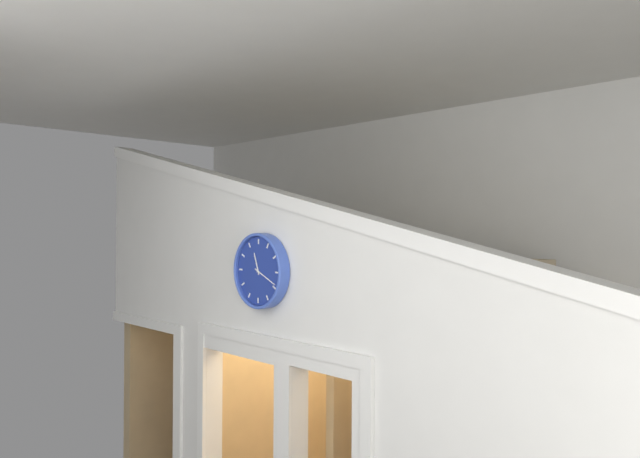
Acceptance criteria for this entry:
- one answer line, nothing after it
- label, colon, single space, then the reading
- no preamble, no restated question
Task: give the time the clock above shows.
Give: 11:19
